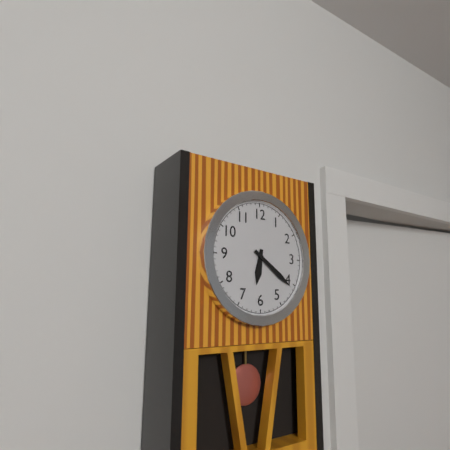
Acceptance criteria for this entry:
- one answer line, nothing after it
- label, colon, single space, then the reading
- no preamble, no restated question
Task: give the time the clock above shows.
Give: 6:21
